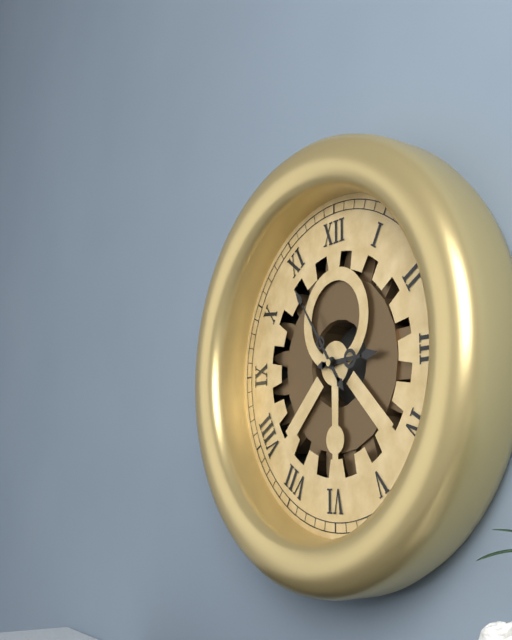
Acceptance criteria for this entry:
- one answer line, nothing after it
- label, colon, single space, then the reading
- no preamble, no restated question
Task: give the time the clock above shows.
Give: 2:54
